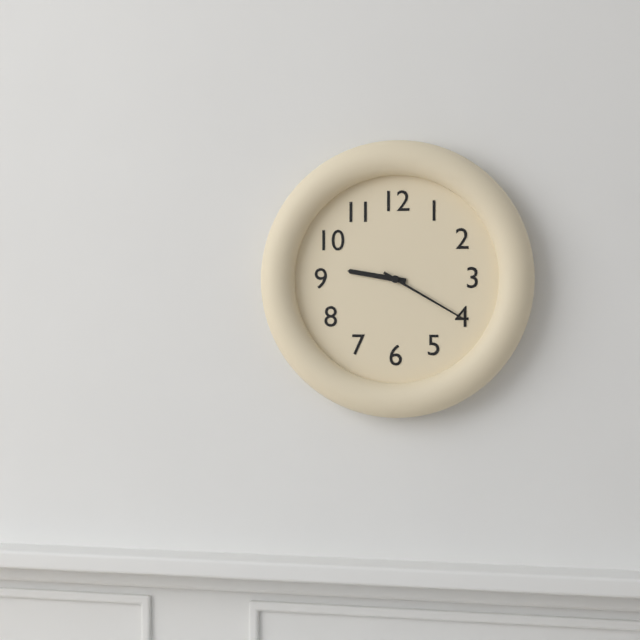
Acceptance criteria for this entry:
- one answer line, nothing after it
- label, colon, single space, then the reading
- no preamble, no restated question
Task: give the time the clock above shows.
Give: 9:20
